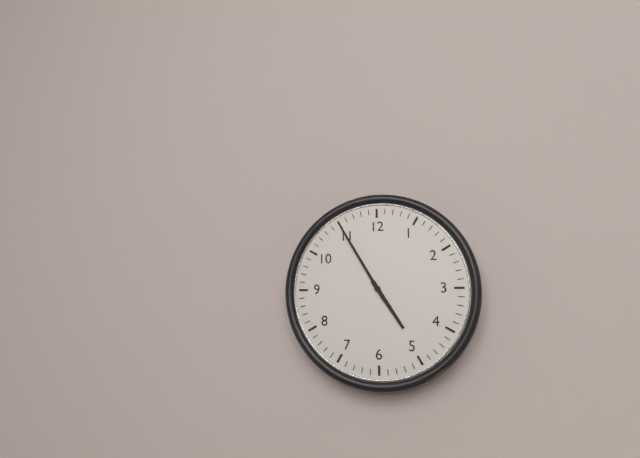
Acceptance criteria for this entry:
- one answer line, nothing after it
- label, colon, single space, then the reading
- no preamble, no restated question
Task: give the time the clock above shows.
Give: 4:55
